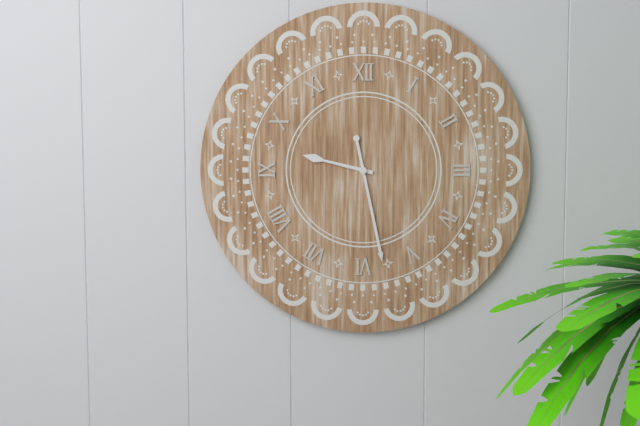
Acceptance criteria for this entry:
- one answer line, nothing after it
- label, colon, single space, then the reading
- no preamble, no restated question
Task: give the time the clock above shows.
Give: 9:28
